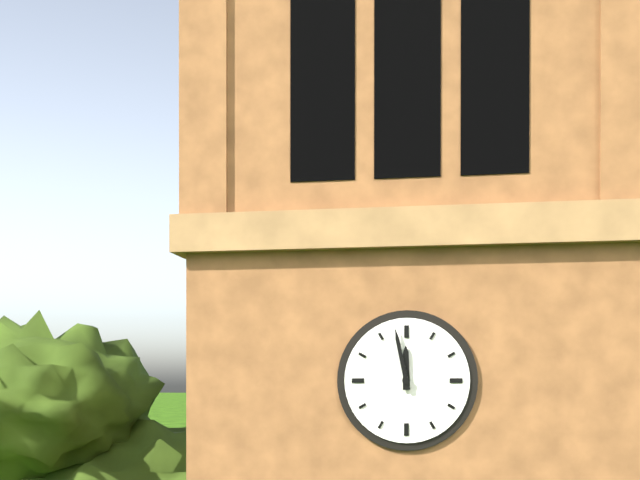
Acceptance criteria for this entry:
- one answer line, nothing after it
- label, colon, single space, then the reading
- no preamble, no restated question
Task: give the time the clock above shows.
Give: 11:58
